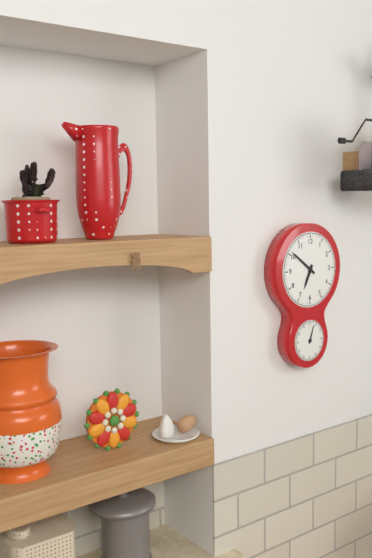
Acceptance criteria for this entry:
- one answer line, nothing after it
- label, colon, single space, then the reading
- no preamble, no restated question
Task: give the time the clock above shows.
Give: 6:51
